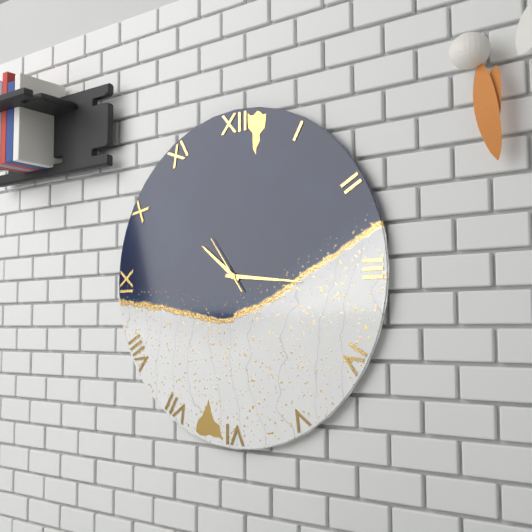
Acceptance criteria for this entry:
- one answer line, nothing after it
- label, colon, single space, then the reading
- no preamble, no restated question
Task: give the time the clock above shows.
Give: 10:16:54
